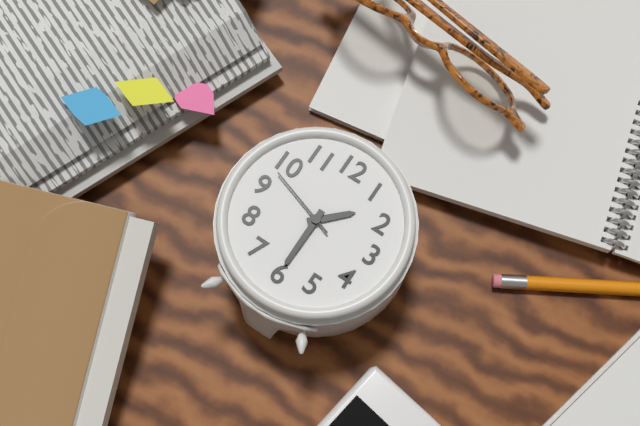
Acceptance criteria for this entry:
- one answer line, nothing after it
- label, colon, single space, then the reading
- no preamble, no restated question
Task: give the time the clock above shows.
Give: 1:30:48
